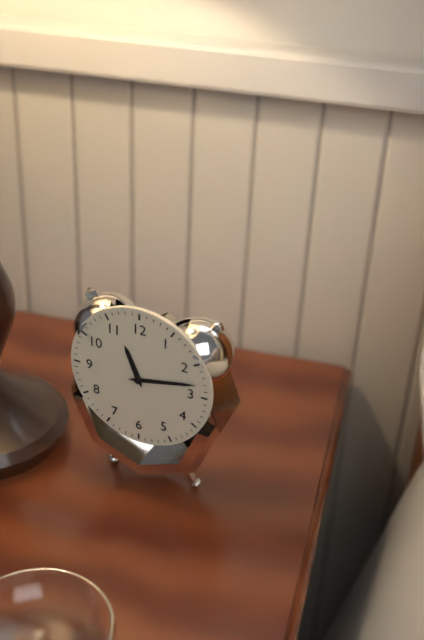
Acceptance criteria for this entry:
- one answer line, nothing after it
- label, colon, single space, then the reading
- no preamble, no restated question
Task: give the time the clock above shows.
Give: 11:13
